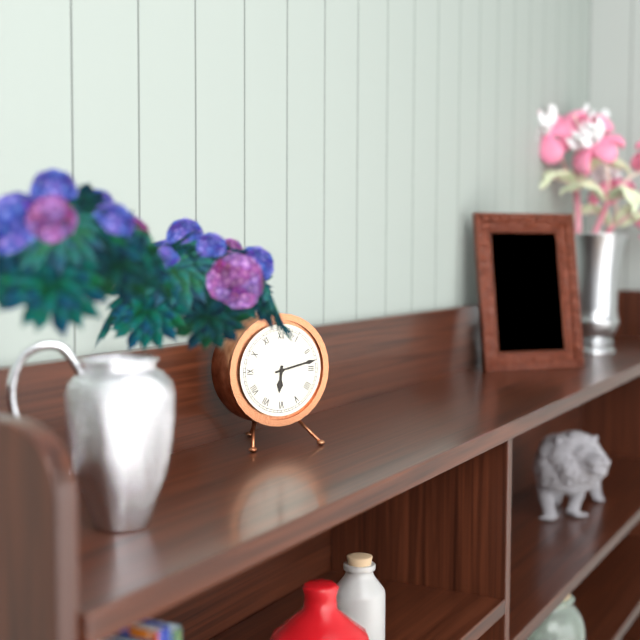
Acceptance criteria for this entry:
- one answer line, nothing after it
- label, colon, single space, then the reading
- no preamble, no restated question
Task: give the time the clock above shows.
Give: 6:13
